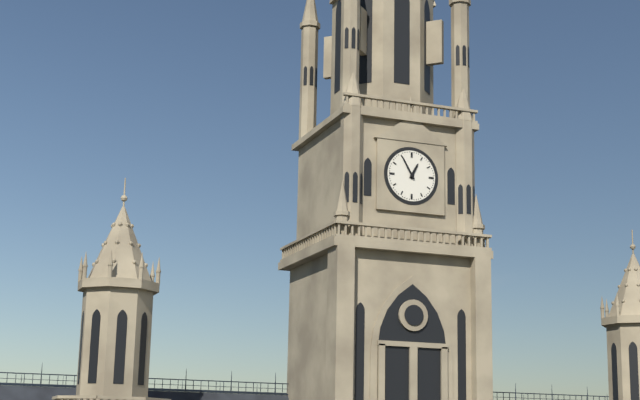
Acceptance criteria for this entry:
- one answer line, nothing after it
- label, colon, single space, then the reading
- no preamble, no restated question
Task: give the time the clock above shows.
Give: 12:55
